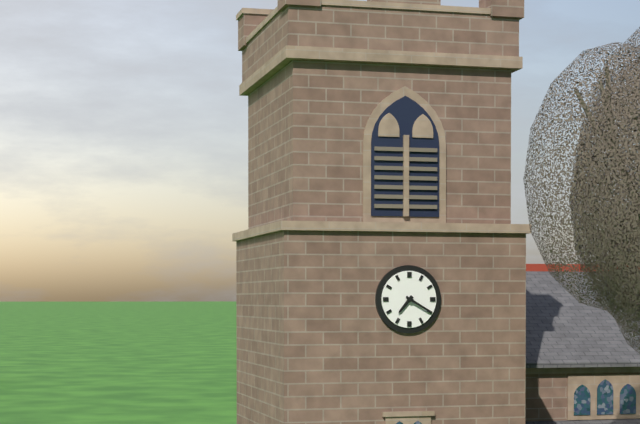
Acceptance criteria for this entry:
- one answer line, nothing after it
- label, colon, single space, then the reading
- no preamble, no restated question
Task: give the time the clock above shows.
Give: 7:20
